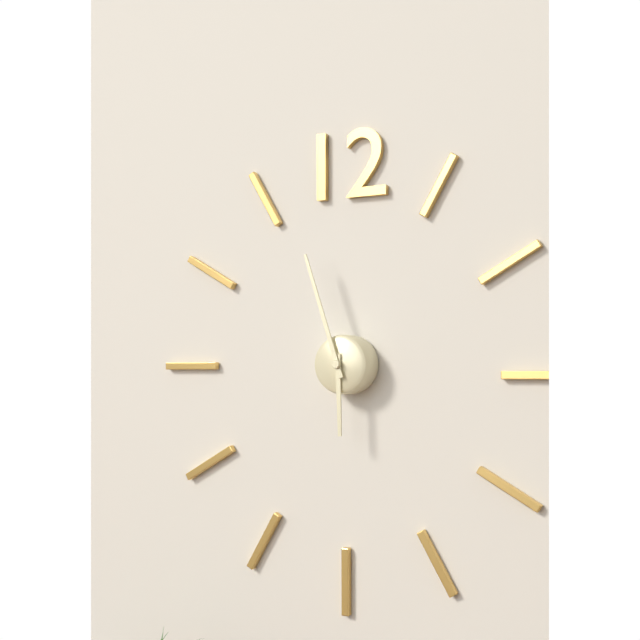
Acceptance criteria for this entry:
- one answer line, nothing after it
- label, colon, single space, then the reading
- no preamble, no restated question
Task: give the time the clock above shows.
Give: 5:57
